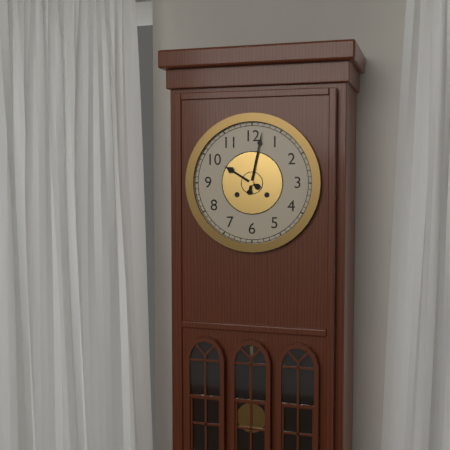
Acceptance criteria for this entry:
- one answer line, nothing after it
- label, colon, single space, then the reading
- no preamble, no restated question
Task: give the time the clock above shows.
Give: 10:02
